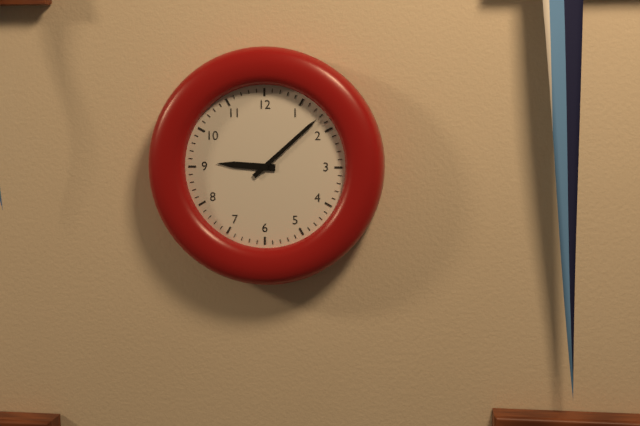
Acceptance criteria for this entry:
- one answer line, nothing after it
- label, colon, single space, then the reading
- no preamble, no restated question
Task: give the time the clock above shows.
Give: 9:08
